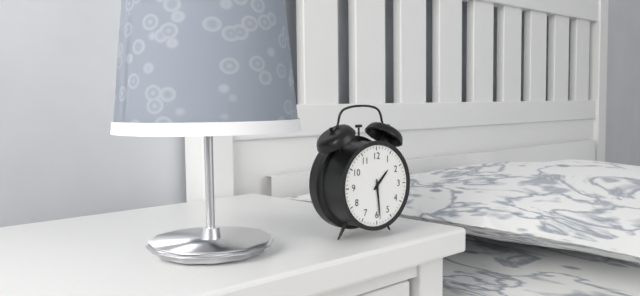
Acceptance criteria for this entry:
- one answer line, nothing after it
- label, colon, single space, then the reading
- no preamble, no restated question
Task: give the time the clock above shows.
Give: 1:29
